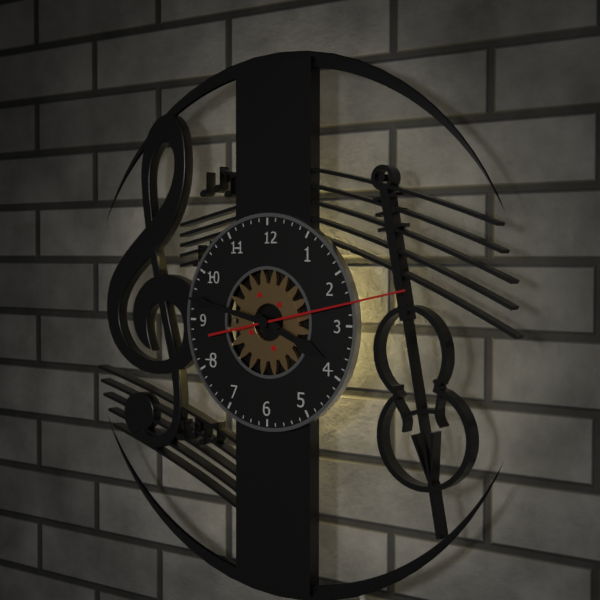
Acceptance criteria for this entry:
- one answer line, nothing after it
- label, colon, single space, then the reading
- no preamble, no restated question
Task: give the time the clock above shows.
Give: 3:47:13
